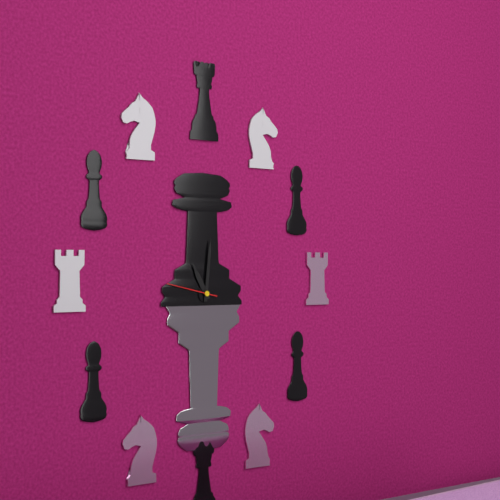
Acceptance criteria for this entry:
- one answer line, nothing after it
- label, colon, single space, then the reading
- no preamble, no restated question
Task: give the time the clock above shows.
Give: 11:01:47
